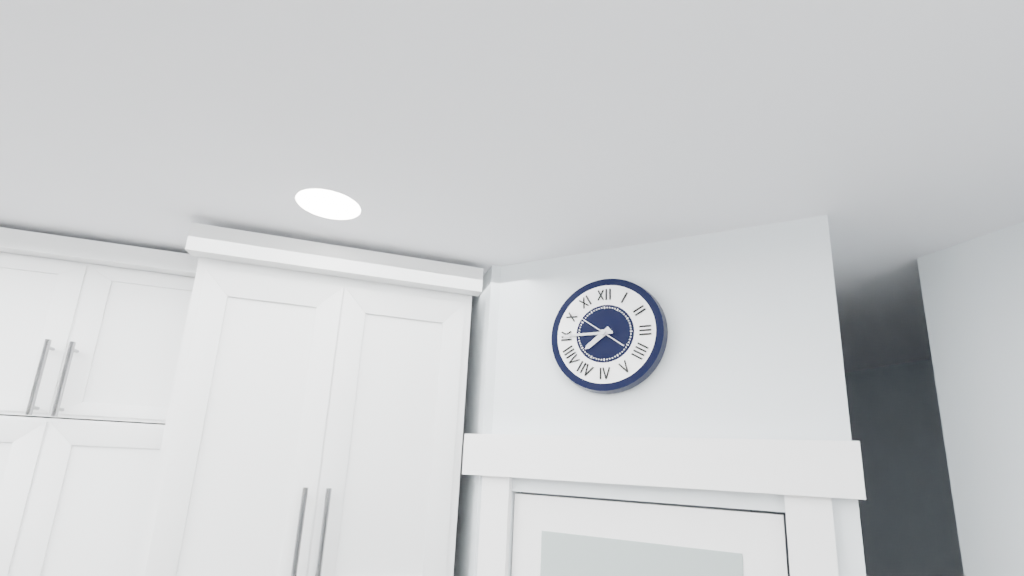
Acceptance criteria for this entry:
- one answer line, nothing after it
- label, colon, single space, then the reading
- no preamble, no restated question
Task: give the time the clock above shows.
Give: 7:45:51
